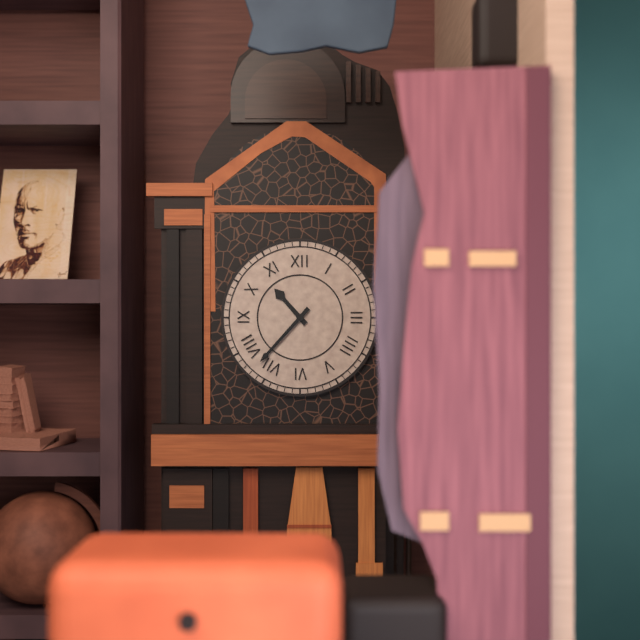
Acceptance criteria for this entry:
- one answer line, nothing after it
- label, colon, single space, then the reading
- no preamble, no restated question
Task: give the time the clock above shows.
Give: 10:37
